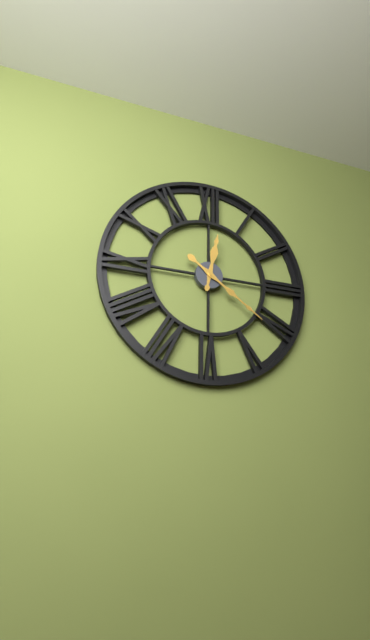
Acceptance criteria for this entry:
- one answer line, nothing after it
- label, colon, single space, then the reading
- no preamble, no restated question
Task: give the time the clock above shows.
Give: 12:21
